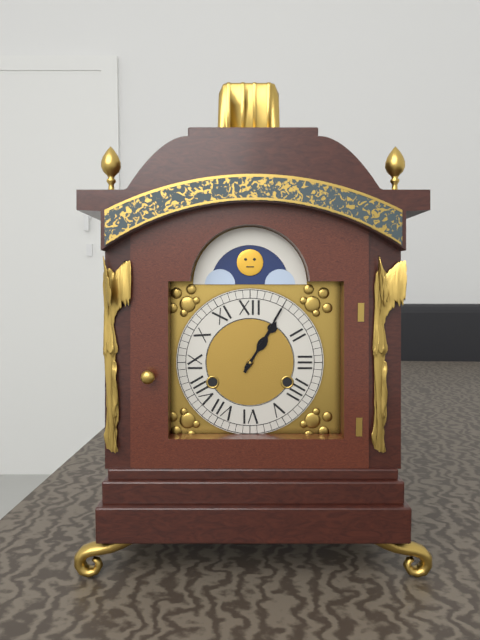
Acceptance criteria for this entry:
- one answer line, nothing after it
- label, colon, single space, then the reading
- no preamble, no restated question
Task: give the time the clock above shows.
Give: 1:05
